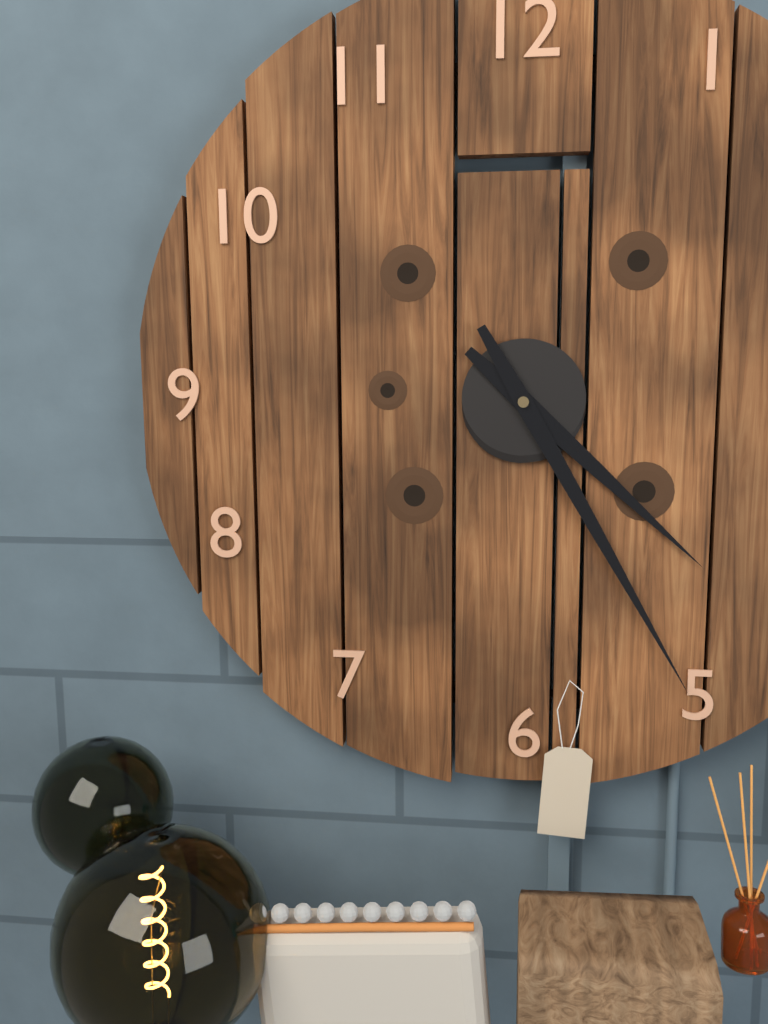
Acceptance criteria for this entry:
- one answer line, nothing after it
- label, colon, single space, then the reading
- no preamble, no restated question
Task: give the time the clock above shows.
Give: 4:25
